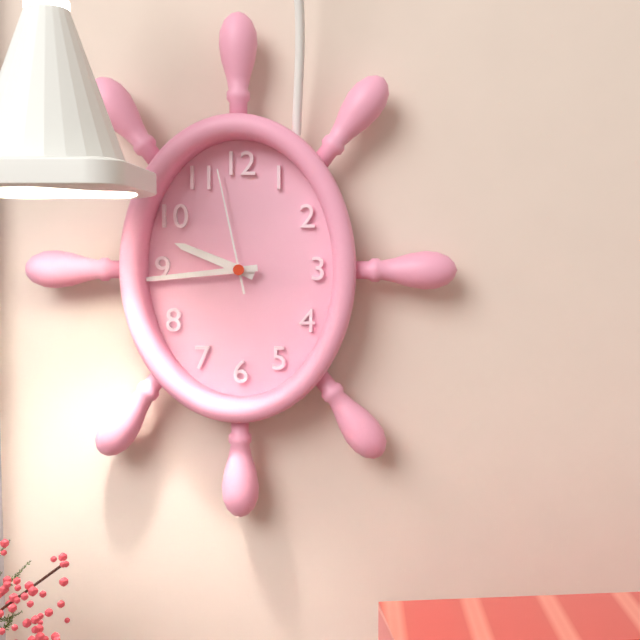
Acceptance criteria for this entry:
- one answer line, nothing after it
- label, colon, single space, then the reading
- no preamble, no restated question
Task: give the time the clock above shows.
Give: 9:44:58
